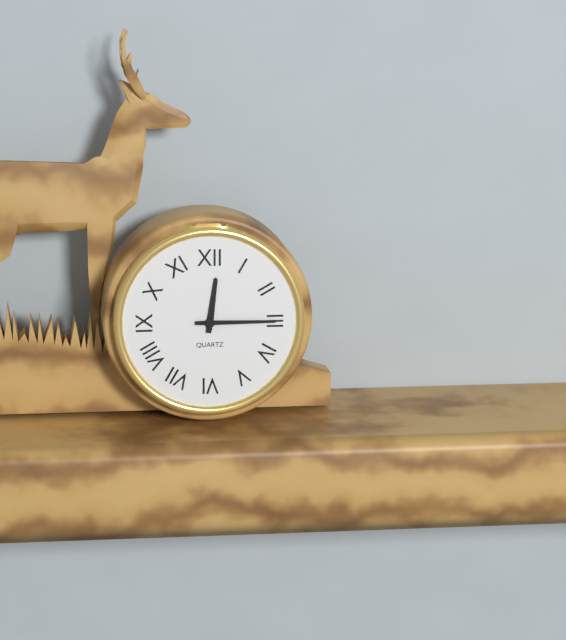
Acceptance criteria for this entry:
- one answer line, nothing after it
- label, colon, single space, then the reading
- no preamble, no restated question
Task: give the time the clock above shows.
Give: 12:15
